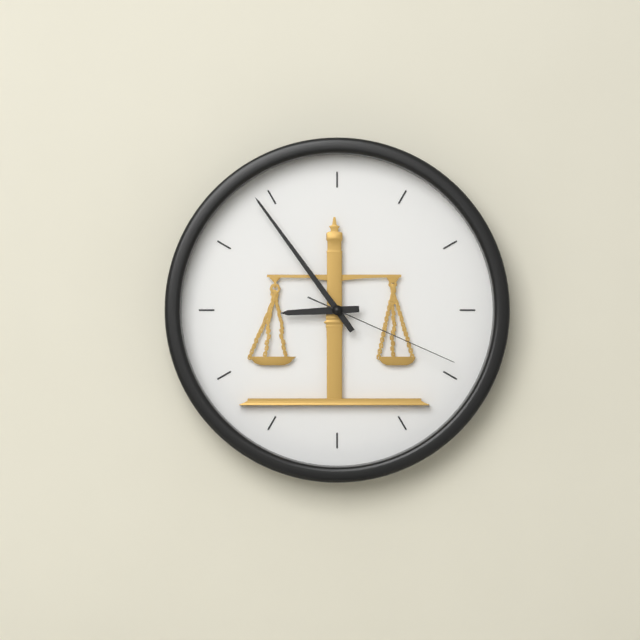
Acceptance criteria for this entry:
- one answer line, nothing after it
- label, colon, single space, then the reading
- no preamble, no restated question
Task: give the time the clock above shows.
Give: 8:54:19
